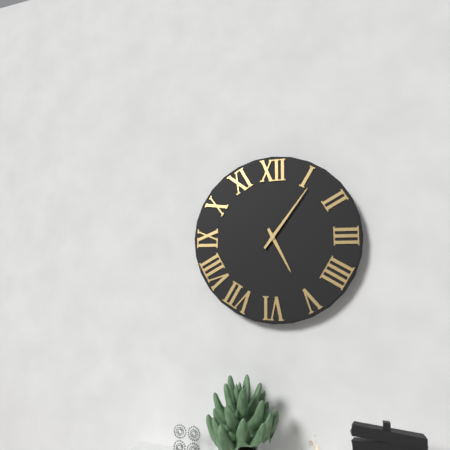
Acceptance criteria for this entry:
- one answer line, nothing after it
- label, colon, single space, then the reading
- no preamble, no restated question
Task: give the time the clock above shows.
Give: 5:06
